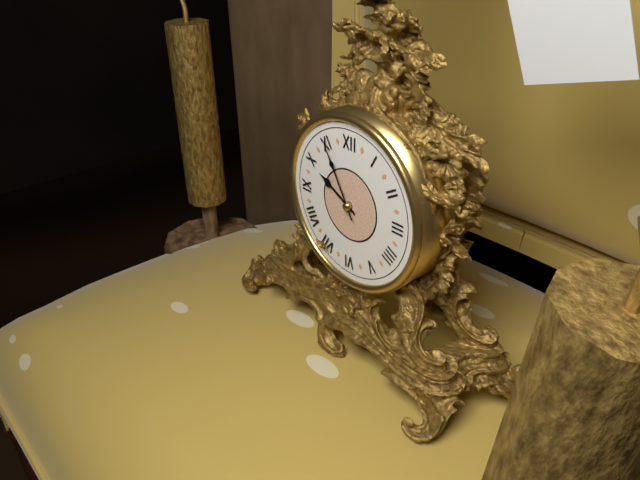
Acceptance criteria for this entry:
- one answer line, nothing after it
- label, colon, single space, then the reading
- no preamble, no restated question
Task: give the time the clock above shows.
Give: 9:55
